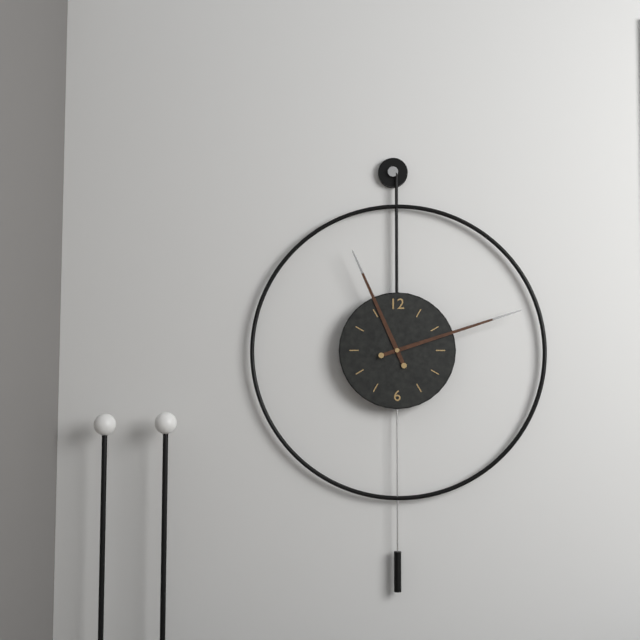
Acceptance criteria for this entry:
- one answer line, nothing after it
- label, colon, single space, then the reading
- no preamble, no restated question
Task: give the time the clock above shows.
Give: 11:12
